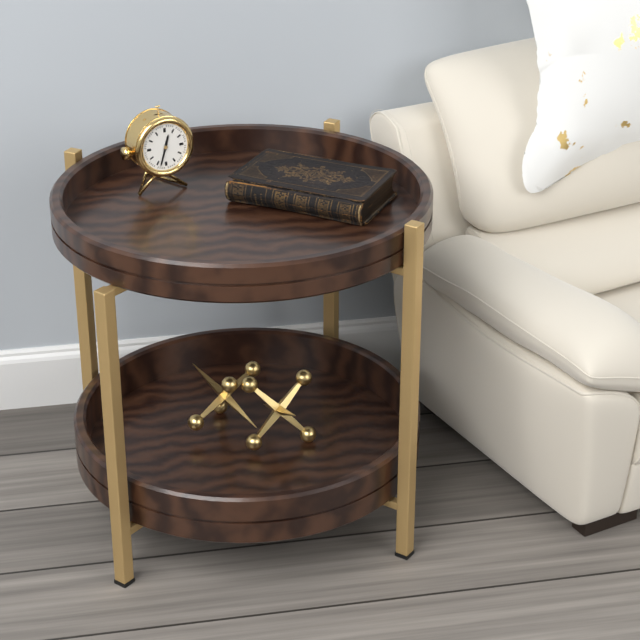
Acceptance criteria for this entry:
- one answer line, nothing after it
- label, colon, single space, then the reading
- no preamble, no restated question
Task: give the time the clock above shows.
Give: 12:33
